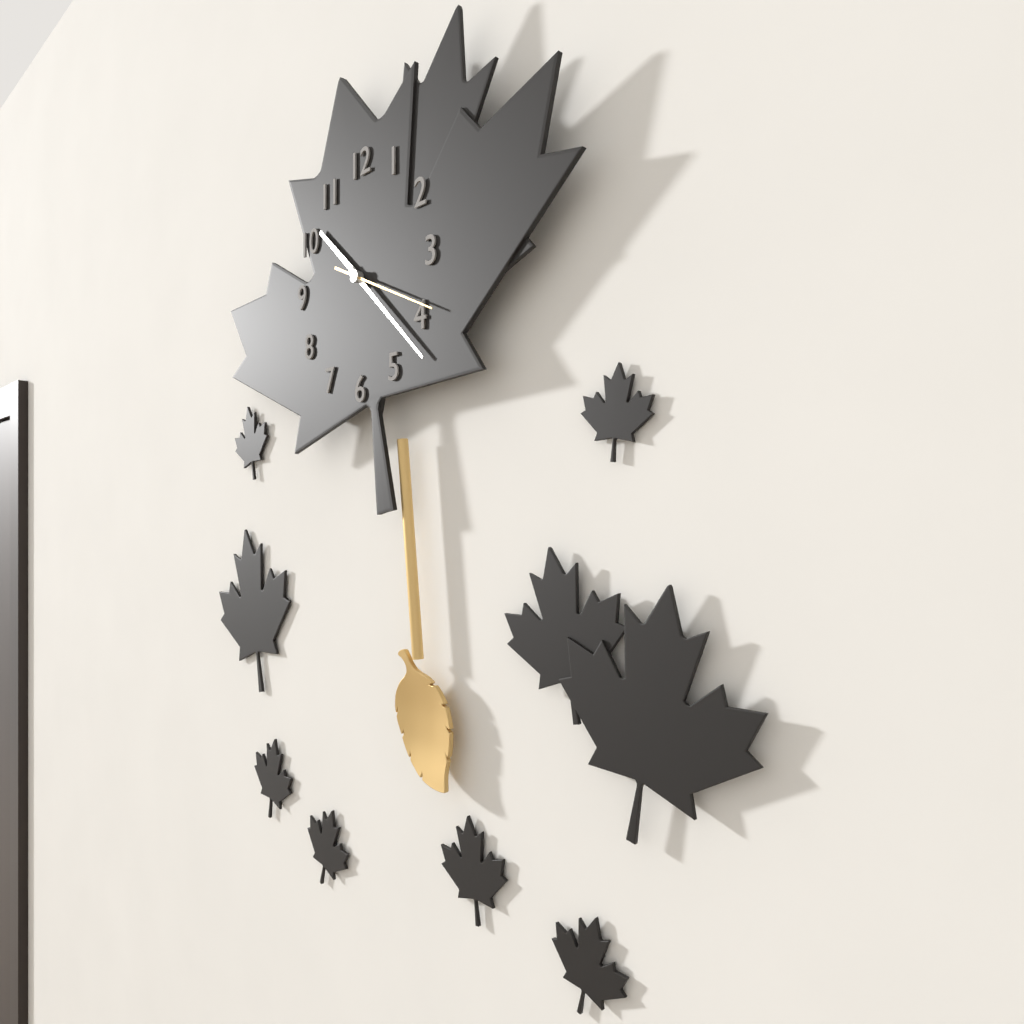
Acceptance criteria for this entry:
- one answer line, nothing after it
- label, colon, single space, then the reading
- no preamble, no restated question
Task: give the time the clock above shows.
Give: 10:22:19
